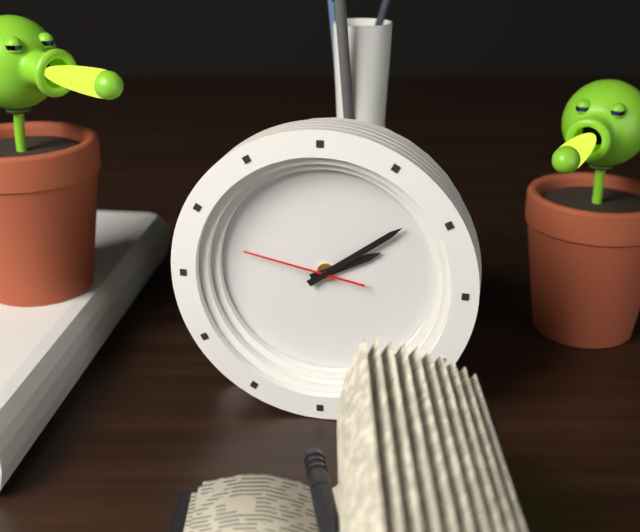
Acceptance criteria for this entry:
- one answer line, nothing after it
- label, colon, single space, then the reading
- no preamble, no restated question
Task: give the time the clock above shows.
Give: 2:09:47
